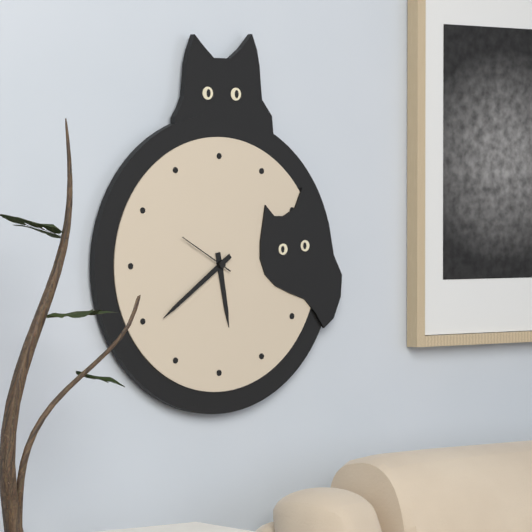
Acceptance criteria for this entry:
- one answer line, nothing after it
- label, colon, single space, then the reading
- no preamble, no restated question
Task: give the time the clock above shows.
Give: 5:39:50
